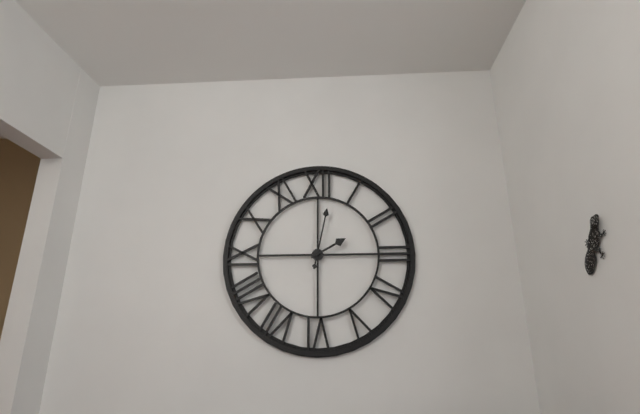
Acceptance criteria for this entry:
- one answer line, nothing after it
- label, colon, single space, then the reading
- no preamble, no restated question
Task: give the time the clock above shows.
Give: 2:02
